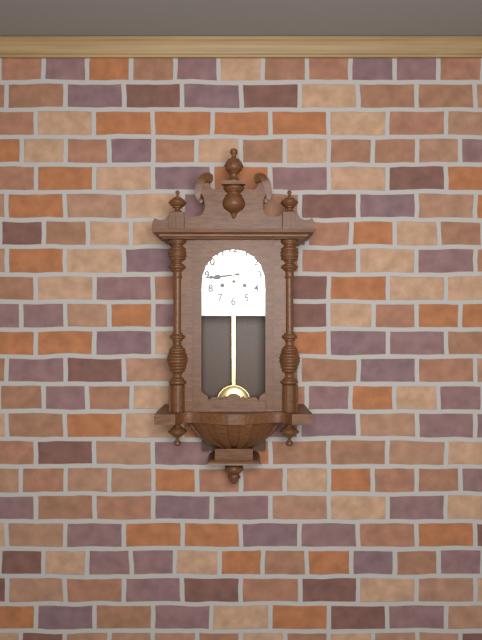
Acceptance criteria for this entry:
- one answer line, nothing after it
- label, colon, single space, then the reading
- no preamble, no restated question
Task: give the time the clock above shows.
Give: 8:44
